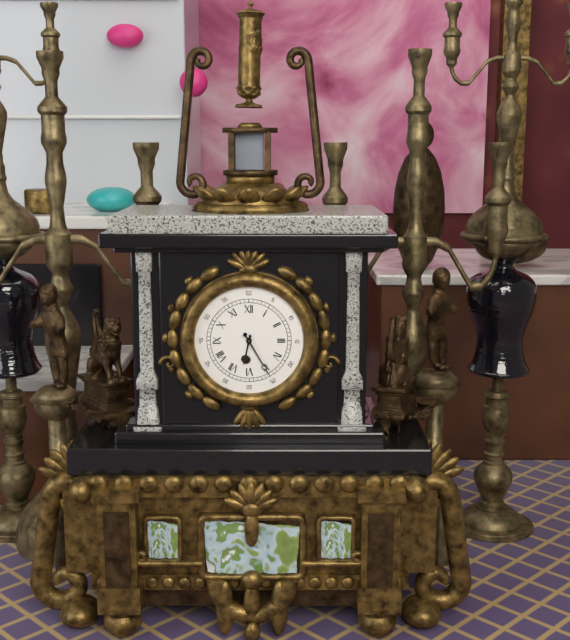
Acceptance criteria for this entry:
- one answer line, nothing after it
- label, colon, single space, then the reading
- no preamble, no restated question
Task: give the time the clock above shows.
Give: 6:25
